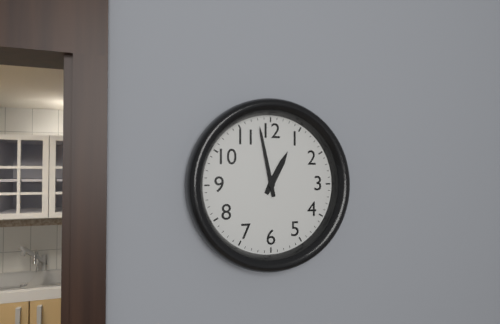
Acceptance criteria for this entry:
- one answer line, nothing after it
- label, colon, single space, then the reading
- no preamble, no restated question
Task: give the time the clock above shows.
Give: 12:58
